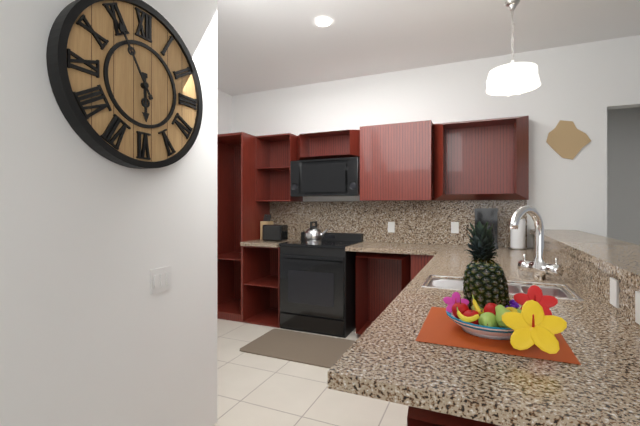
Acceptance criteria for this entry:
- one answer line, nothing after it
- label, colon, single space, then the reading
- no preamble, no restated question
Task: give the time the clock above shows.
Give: 5:55
